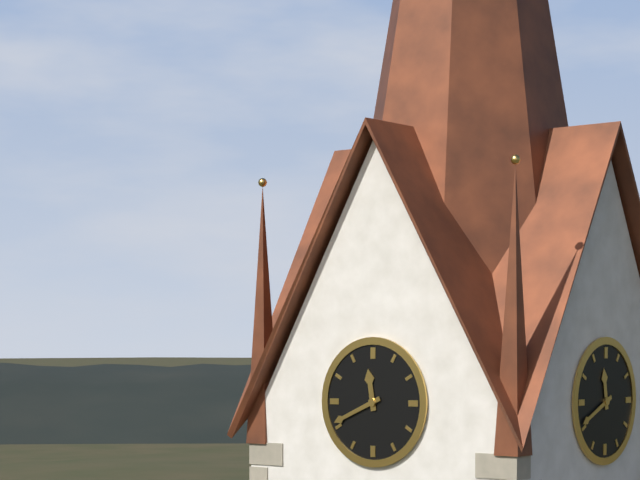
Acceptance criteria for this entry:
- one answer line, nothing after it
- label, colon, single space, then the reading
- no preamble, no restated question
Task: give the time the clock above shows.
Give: 11:41
